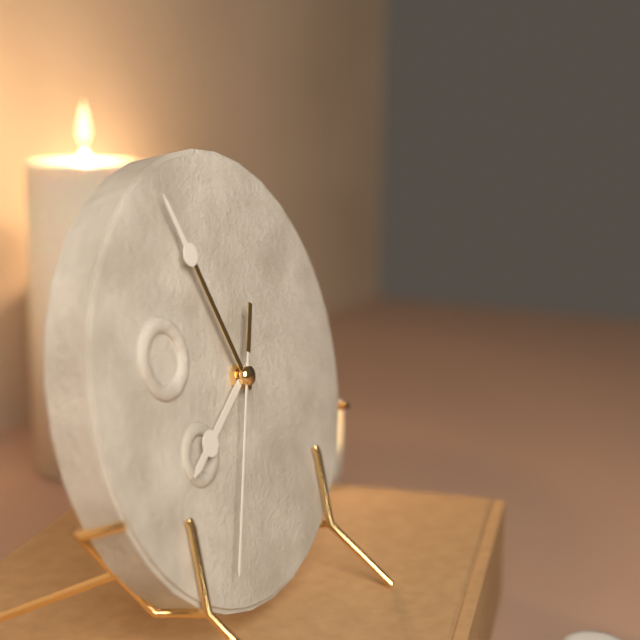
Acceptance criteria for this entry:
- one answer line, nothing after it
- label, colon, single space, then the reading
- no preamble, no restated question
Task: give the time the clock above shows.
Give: 7:56:34
